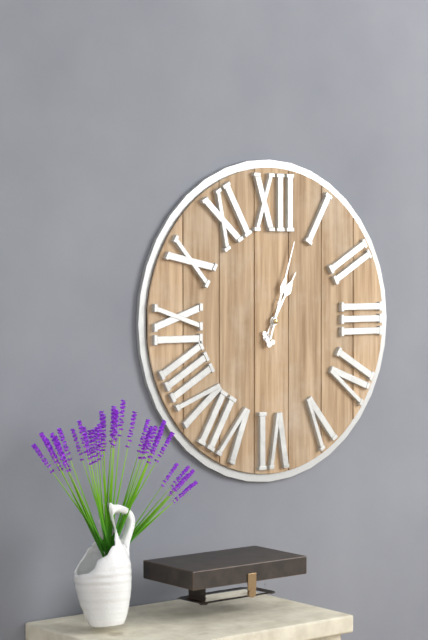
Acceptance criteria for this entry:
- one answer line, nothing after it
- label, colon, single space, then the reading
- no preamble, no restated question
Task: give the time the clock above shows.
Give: 1:03
